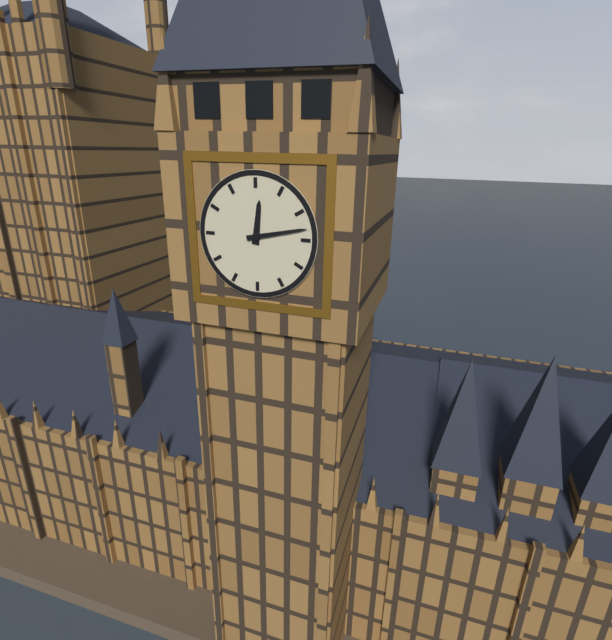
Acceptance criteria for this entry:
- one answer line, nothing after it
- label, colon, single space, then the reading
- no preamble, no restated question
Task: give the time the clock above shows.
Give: 12:13
